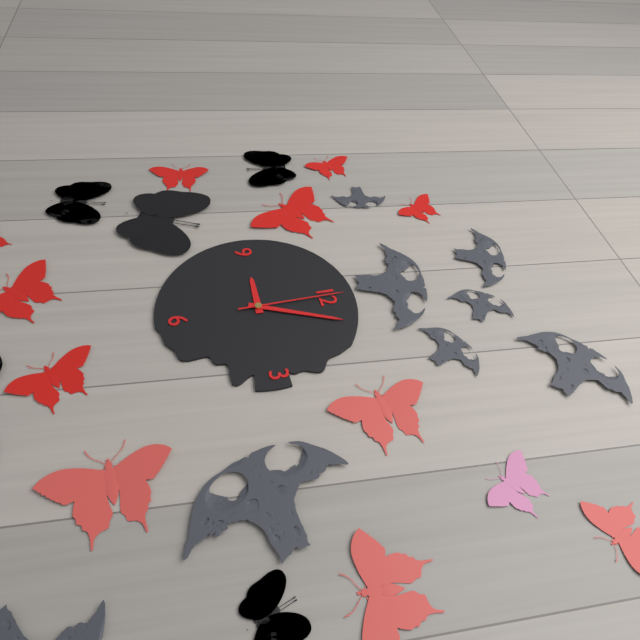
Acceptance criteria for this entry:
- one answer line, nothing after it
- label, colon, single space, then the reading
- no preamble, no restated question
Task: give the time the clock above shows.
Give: 9:04:00
